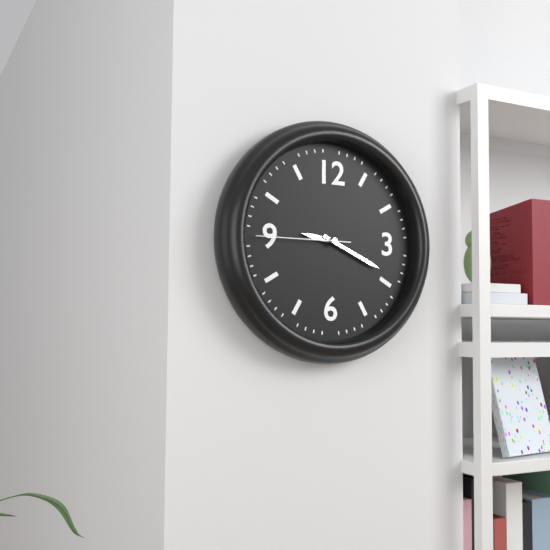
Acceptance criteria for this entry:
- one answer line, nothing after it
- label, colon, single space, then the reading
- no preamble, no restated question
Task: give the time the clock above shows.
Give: 9:19:45
